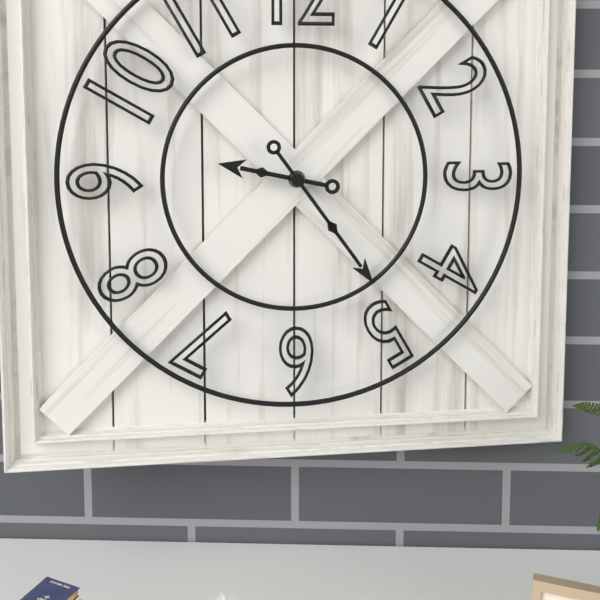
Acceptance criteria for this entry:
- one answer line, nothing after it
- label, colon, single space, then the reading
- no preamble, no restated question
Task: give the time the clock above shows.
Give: 9:24
